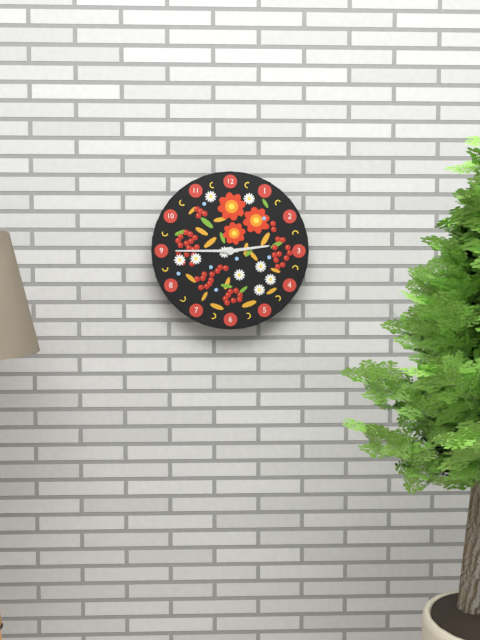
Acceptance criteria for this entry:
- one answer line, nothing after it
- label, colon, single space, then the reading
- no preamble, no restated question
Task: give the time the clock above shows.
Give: 2:45
